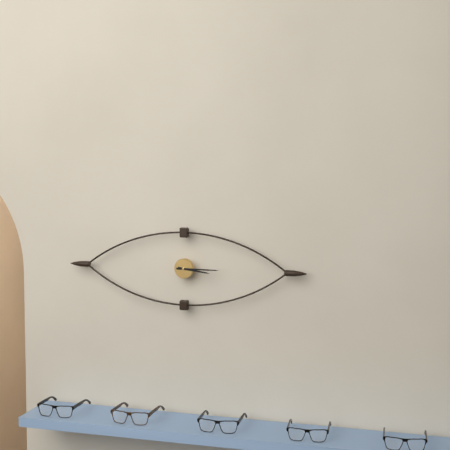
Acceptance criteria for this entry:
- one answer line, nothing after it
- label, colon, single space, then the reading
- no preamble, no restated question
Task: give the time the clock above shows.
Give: 3:15
